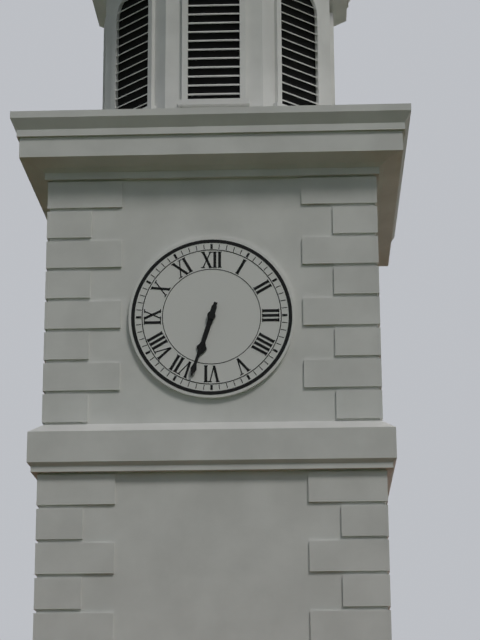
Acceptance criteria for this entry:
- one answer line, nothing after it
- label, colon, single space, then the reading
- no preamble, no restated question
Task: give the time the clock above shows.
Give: 6:33
